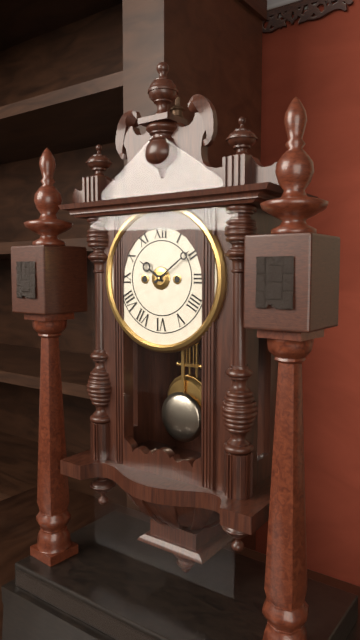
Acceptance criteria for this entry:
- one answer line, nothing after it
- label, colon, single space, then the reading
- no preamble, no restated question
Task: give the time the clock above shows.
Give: 10:09
